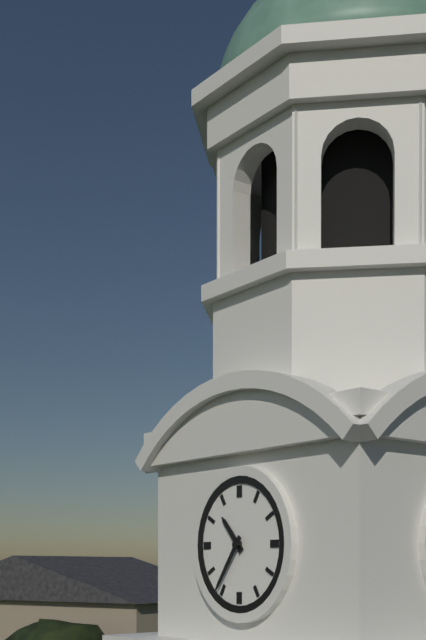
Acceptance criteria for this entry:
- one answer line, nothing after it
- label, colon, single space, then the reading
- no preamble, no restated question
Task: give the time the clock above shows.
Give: 10:36
